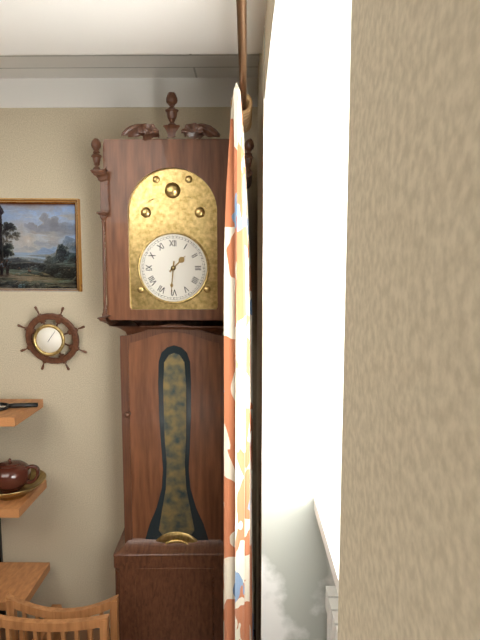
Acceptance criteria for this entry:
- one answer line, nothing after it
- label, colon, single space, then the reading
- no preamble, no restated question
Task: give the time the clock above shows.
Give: 1:31
